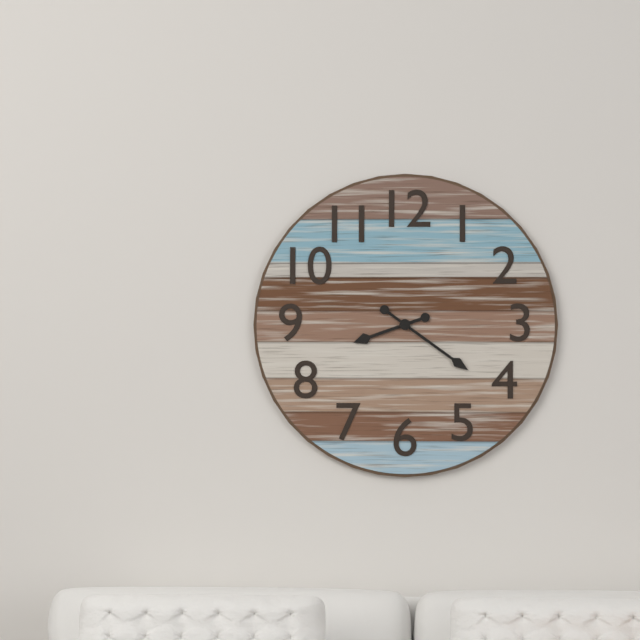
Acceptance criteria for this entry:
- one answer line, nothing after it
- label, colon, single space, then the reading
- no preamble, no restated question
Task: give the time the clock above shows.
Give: 8:21
